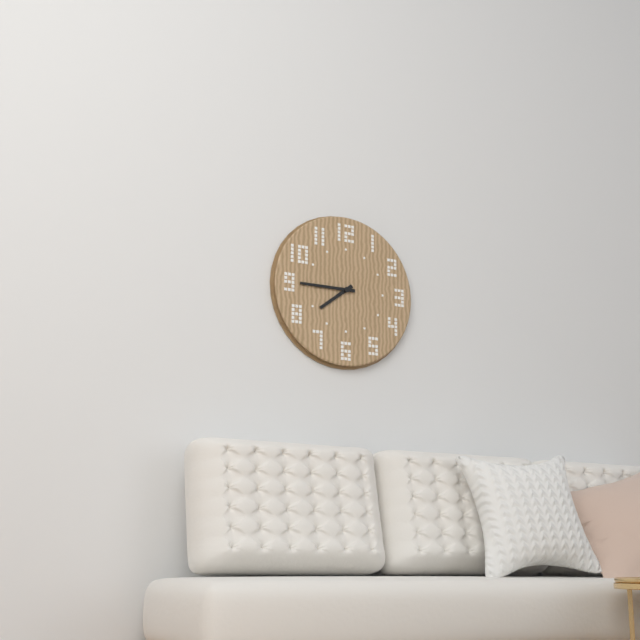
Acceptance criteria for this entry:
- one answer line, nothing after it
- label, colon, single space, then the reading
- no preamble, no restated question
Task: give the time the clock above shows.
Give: 7:45
